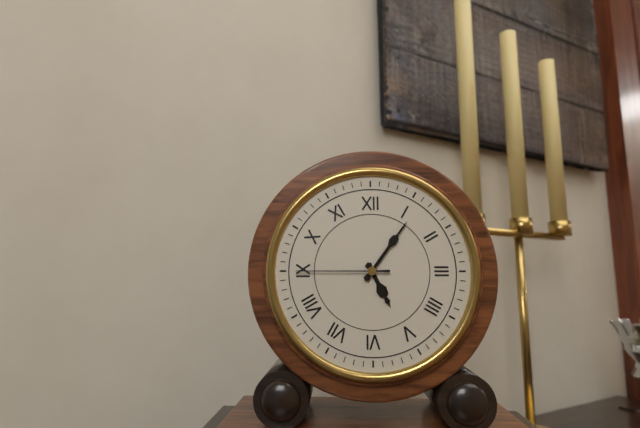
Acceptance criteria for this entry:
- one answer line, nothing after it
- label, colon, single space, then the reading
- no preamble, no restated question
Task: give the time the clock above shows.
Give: 5:06:45
